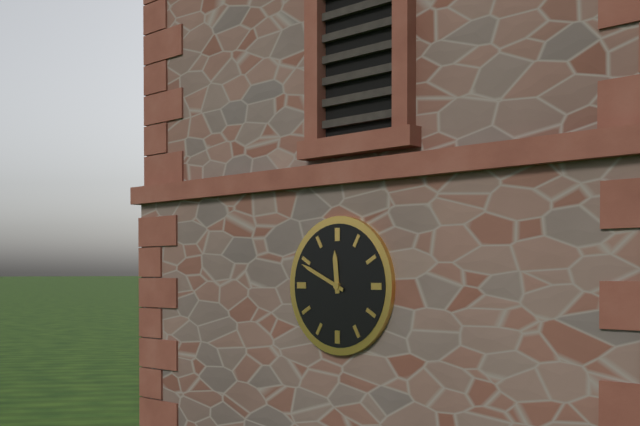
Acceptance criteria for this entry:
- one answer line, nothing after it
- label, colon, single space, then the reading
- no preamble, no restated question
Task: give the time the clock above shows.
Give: 11:49
